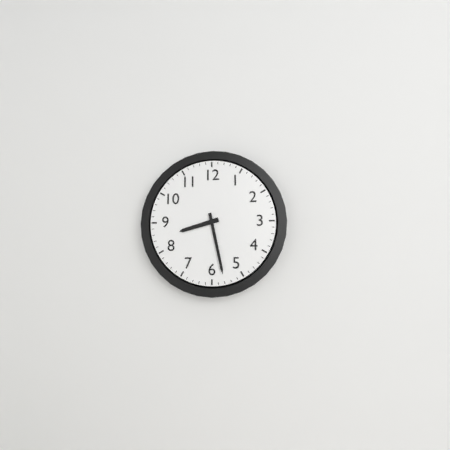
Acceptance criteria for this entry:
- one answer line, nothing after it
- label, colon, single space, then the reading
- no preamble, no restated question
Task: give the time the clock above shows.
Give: 8:28
